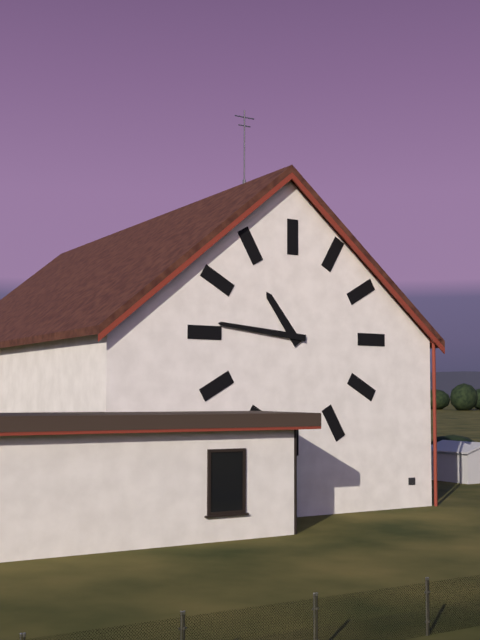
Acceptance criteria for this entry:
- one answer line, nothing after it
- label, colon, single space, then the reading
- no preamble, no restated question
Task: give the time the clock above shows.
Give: 10:46
